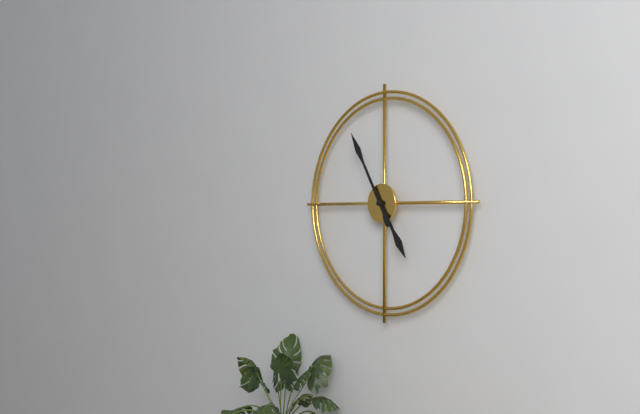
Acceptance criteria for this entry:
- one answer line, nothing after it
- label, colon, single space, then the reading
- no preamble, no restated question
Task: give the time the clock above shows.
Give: 4:55
